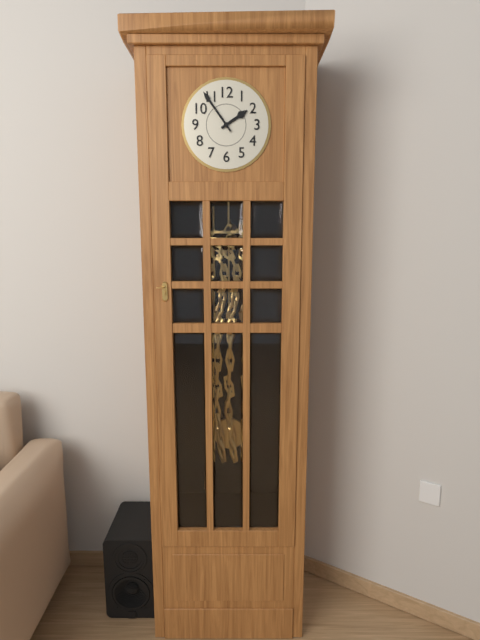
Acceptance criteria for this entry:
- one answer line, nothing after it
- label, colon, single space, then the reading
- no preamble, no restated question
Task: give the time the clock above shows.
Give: 1:54
